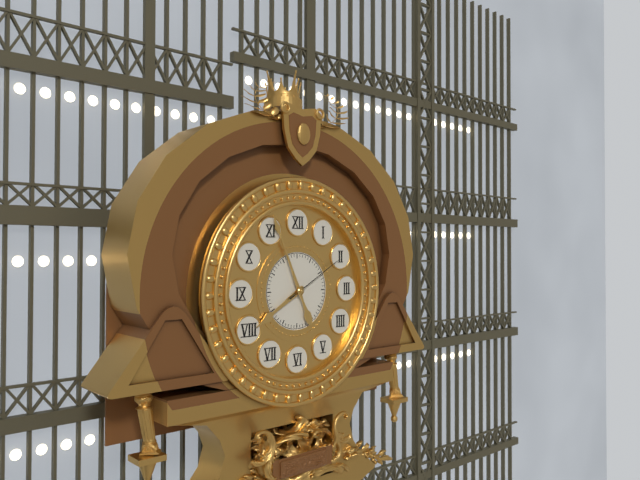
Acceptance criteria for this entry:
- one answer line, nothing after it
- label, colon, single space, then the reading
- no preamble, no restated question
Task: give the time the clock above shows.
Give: 7:56:10
